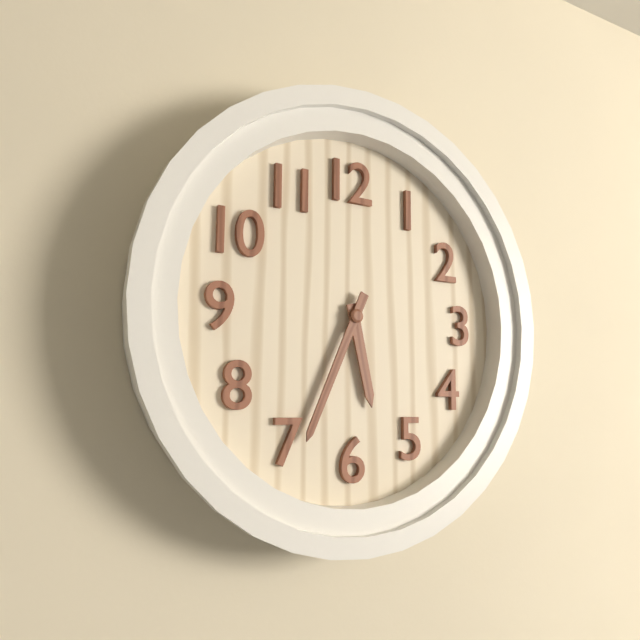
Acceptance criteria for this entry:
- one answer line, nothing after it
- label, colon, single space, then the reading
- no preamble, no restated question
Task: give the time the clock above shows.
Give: 5:34
